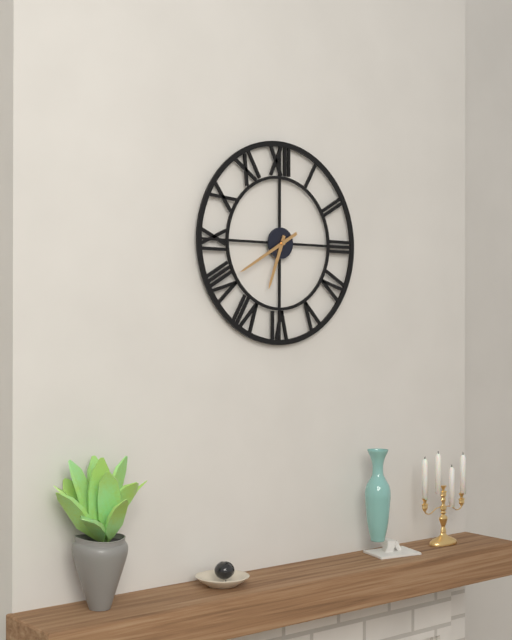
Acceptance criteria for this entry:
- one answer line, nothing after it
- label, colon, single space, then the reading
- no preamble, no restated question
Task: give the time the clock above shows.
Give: 6:40
